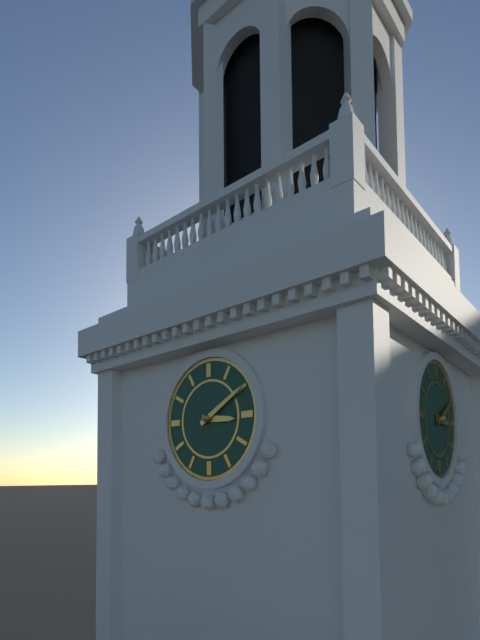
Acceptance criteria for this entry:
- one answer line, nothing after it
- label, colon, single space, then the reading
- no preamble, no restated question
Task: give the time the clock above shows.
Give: 3:10
